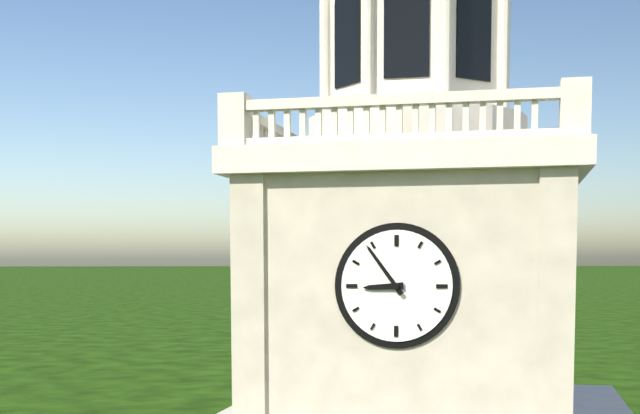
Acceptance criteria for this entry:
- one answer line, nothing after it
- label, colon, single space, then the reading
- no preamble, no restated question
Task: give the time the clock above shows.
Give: 8:54
